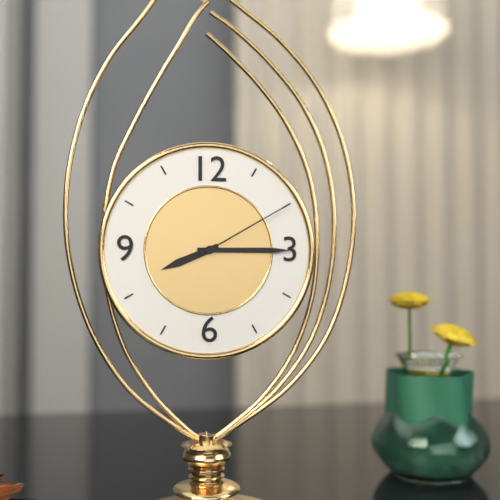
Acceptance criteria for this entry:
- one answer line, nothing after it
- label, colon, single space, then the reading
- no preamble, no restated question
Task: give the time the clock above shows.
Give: 8:15:10
